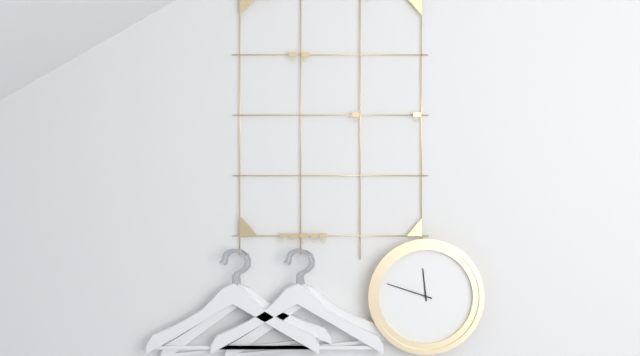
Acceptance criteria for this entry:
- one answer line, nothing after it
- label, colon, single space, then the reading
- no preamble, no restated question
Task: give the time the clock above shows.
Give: 11:48
